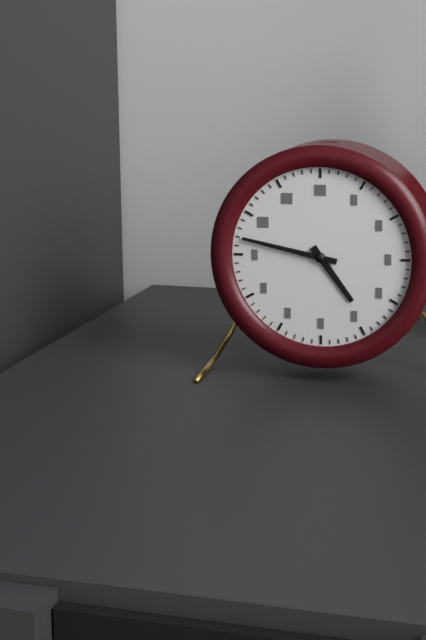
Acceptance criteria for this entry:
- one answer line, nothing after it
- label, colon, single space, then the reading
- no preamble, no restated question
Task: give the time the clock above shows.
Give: 4:47
